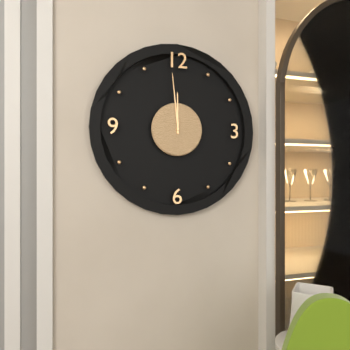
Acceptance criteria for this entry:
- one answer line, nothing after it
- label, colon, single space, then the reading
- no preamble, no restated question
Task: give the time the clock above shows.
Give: 11:59
